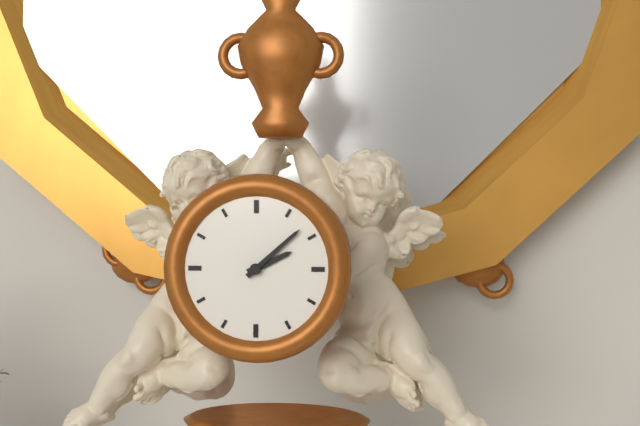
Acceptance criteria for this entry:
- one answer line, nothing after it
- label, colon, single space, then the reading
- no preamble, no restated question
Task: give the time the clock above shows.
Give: 2:08
